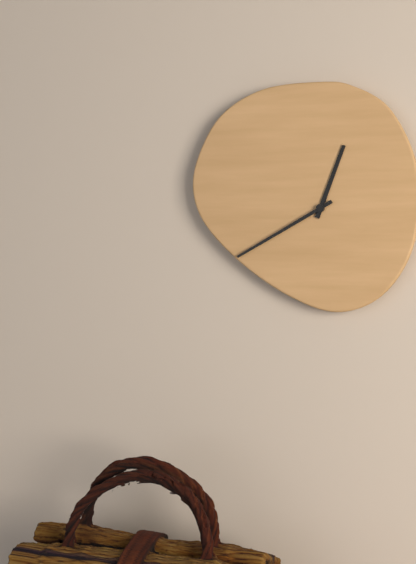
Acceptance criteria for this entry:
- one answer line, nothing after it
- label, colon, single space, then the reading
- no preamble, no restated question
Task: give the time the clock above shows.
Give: 12:40
